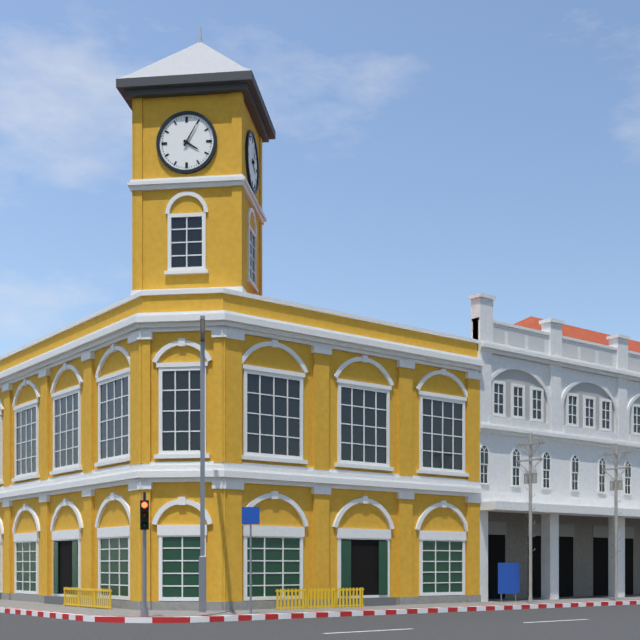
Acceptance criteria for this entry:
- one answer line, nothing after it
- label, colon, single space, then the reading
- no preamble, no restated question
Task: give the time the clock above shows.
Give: 4:05
